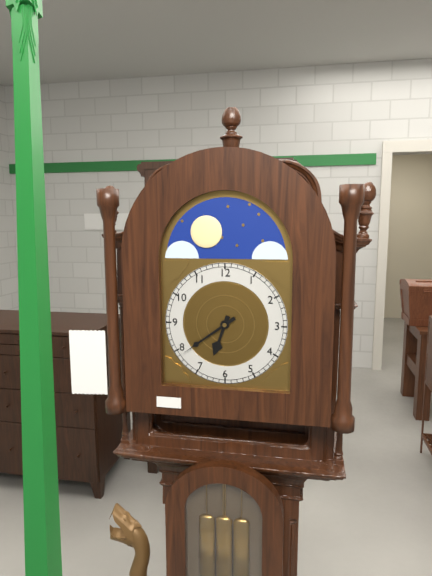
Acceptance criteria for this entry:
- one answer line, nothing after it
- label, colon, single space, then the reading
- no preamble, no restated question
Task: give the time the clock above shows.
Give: 6:39
